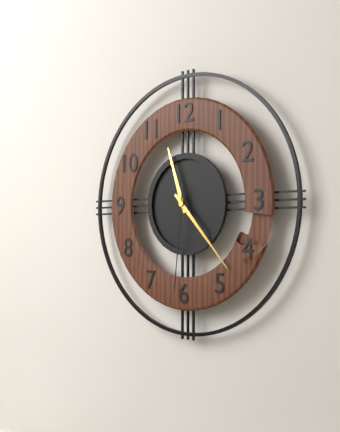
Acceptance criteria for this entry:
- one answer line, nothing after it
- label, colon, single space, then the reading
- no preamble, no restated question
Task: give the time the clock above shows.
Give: 11:23:31
